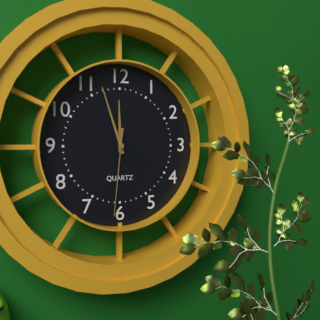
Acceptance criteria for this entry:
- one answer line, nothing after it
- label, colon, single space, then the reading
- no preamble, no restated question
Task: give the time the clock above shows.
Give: 11:57:31
